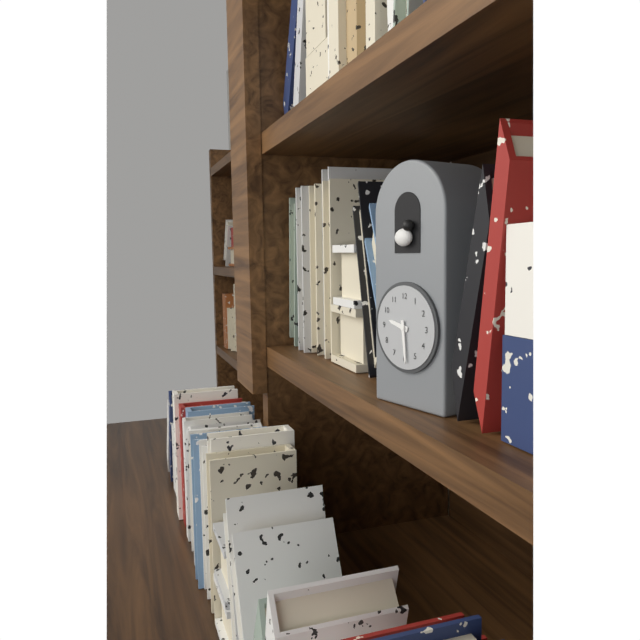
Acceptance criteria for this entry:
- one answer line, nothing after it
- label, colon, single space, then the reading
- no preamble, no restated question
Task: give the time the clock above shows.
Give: 9:29
